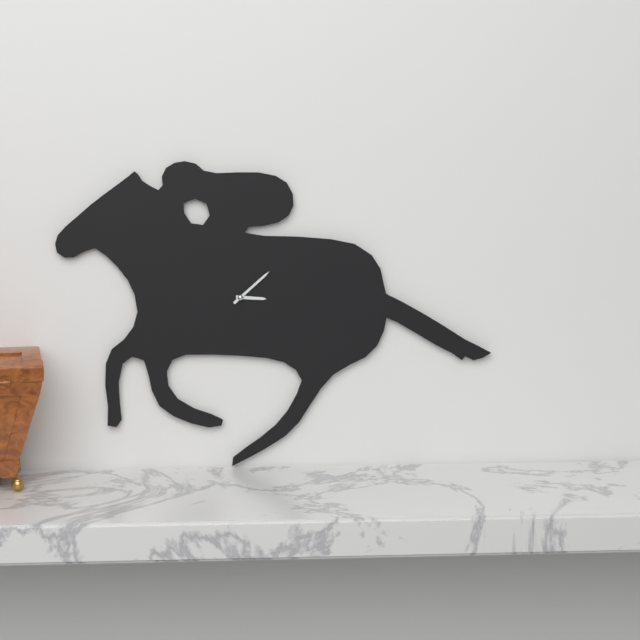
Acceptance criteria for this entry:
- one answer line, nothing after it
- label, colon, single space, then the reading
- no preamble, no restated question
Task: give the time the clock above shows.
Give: 3:08
